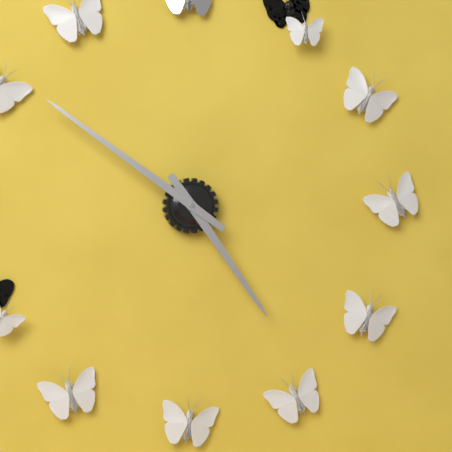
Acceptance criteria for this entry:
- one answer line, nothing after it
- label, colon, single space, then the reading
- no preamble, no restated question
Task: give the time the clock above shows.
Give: 4:51
